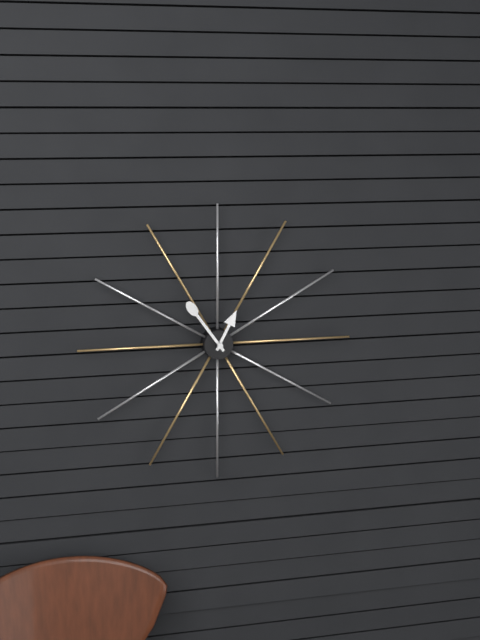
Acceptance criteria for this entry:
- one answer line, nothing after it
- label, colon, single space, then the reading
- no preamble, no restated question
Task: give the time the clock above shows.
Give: 12:54
